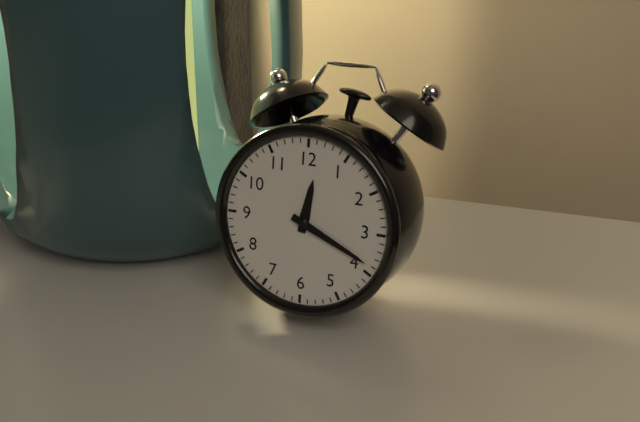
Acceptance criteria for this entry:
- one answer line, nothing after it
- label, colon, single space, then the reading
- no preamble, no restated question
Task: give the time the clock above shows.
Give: 12:19
